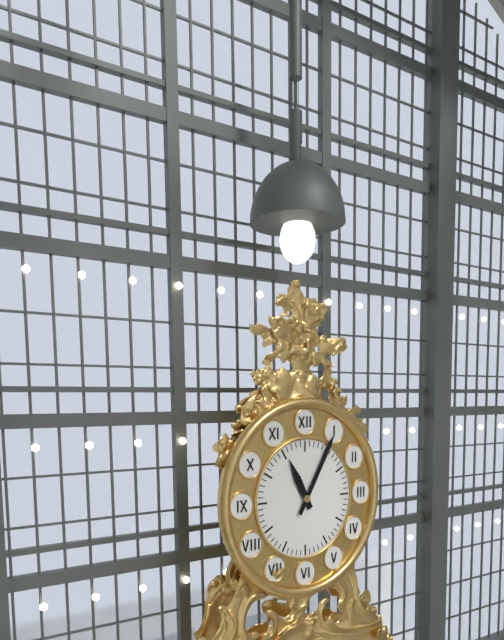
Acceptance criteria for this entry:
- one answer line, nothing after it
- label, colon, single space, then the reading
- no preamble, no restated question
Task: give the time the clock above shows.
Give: 11:05
